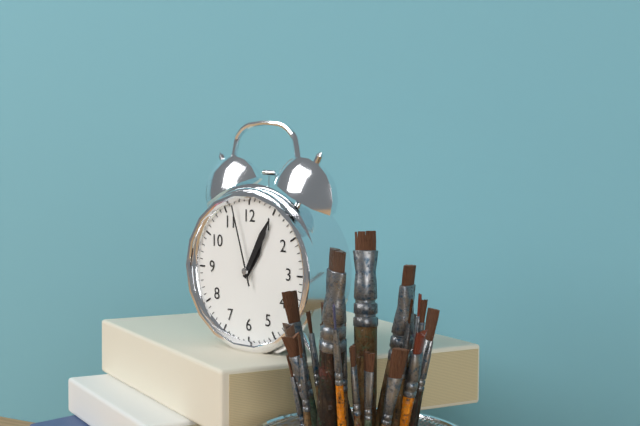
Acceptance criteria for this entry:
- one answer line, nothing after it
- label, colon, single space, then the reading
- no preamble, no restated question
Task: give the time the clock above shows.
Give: 1:05:57
